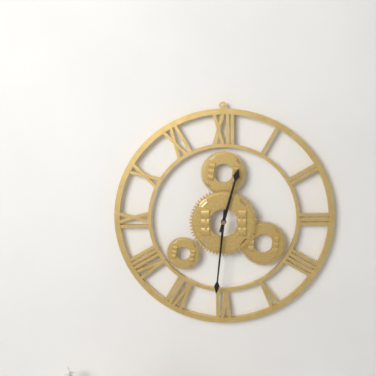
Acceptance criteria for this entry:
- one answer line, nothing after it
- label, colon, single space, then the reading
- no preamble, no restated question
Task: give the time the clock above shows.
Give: 12:31
